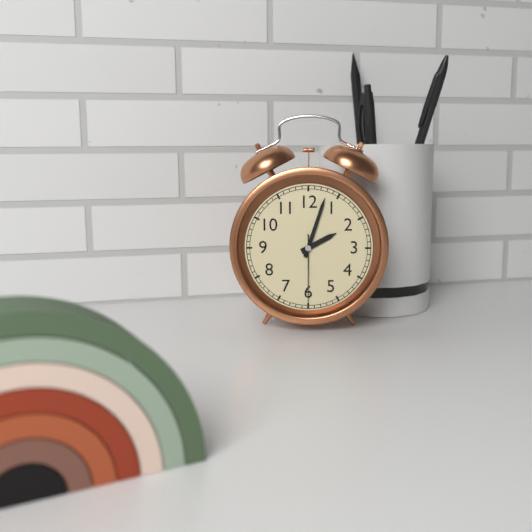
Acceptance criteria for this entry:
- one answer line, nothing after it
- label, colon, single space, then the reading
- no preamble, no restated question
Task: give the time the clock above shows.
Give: 2:03:30
